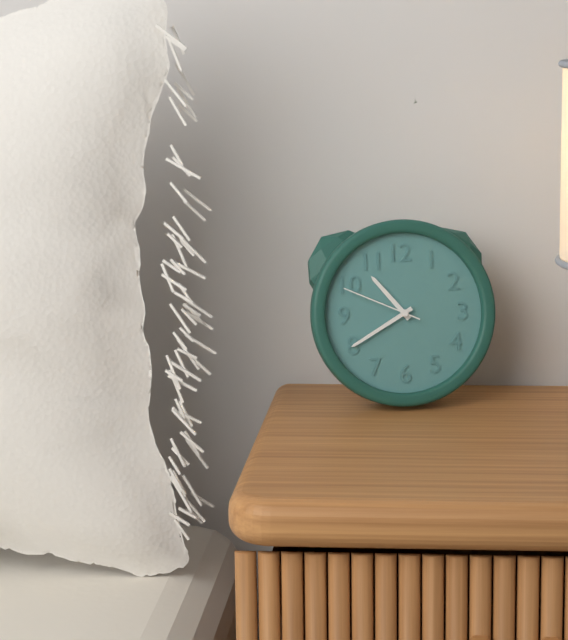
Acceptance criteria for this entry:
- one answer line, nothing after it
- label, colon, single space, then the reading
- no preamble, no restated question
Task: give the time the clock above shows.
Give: 10:40:49
